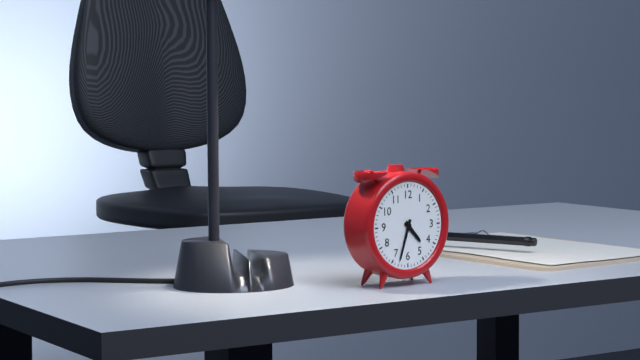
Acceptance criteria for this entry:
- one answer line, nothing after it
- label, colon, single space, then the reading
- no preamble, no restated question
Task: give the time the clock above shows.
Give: 4:33
